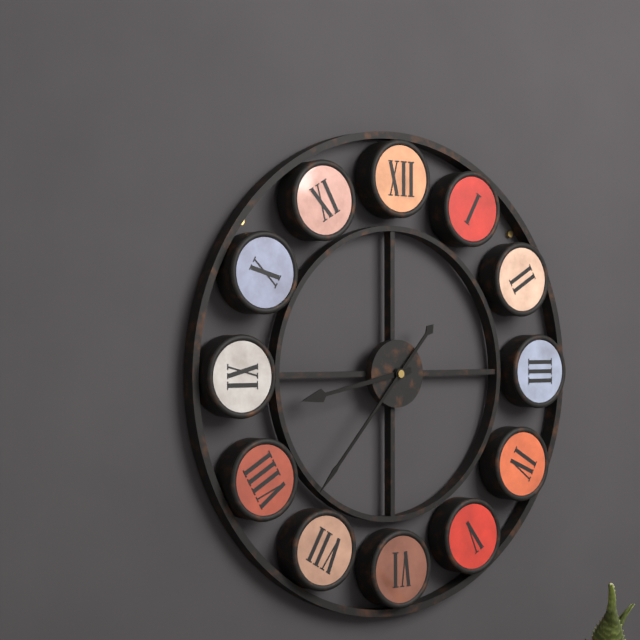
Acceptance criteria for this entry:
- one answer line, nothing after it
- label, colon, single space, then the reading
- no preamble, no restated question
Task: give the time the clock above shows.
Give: 8:37
